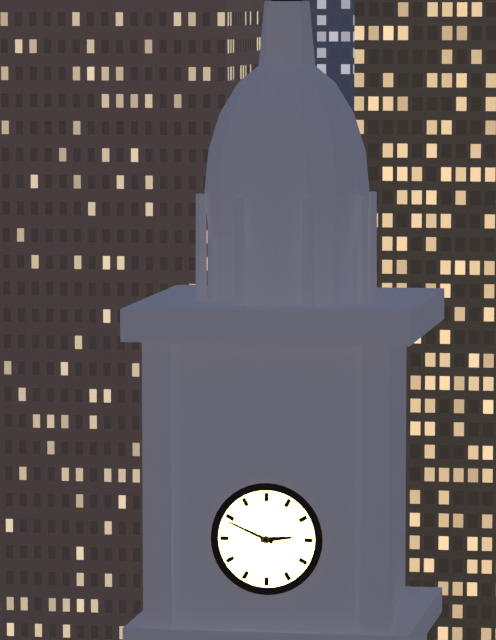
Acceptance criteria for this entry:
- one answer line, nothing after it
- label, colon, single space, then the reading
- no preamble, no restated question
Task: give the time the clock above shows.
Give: 2:49
